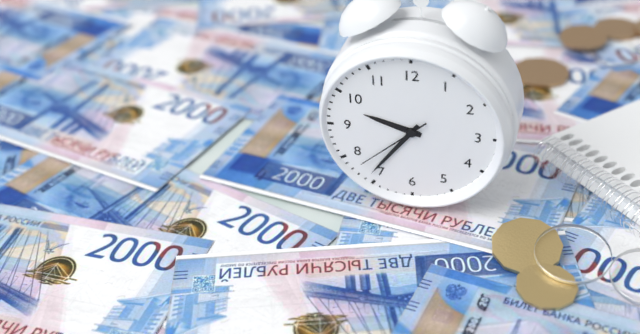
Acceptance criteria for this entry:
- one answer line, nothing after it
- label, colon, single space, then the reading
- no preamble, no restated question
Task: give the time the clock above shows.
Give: 9:36:38
